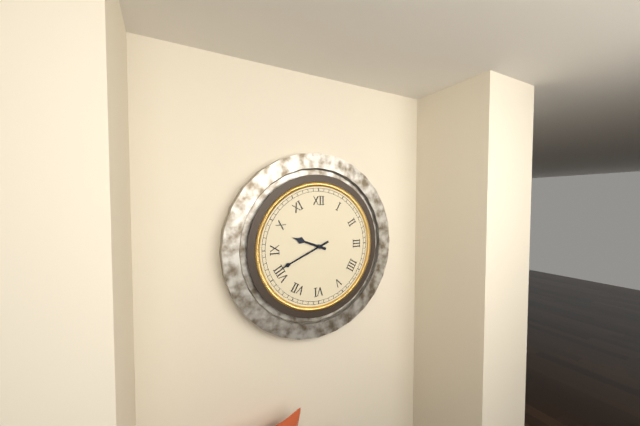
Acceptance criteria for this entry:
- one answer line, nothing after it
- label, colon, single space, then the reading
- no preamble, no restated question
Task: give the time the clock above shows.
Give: 9:41
